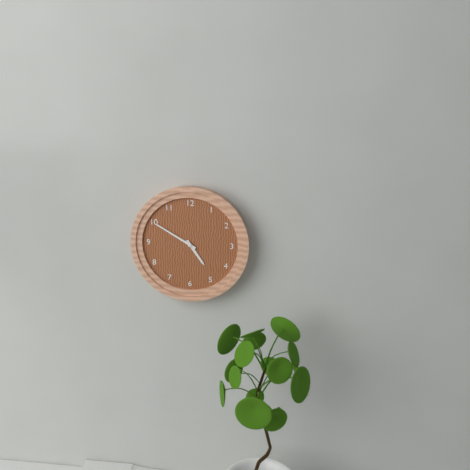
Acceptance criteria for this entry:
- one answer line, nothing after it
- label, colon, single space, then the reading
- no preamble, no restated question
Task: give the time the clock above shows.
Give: 4:50
